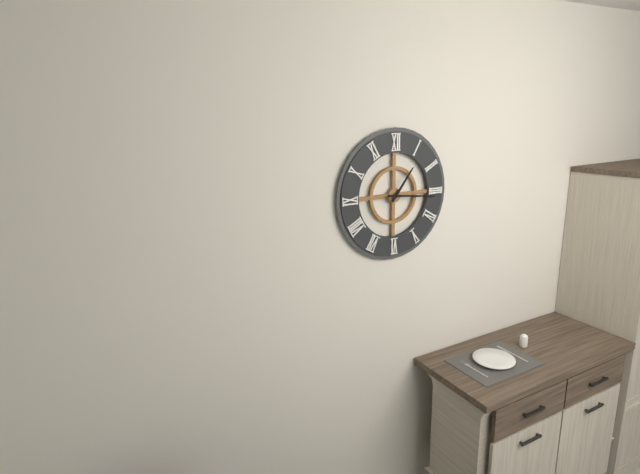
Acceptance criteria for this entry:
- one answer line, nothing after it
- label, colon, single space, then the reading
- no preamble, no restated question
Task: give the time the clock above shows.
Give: 1:16
